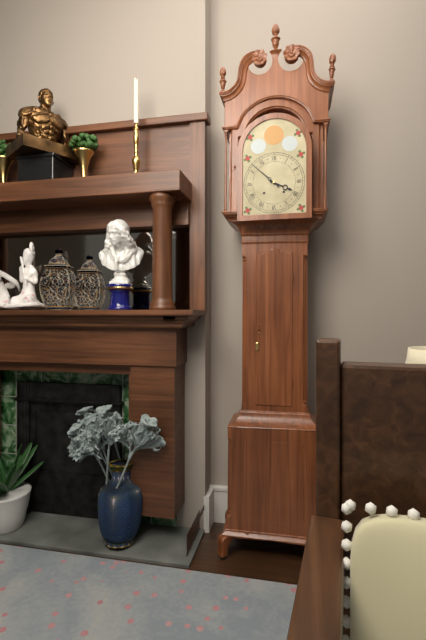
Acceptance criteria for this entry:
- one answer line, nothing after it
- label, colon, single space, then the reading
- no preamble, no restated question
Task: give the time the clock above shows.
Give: 3:52
